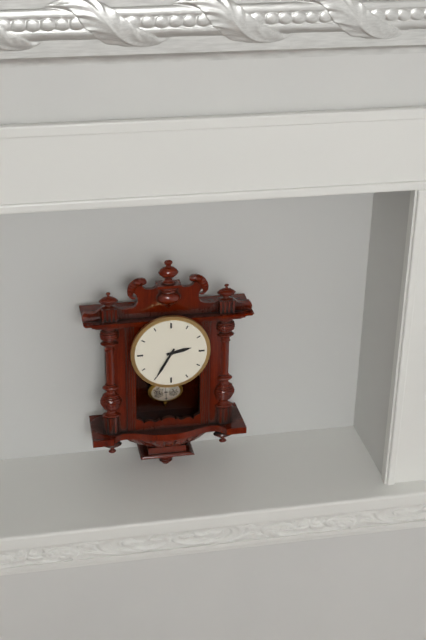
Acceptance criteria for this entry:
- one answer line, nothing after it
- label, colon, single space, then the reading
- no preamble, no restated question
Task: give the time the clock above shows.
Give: 2:35
